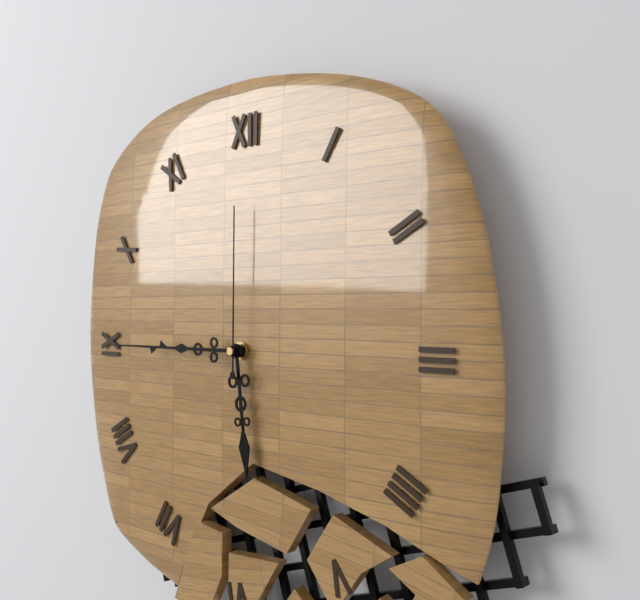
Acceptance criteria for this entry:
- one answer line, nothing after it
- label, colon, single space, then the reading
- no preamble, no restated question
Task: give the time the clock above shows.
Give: 5:45:00
